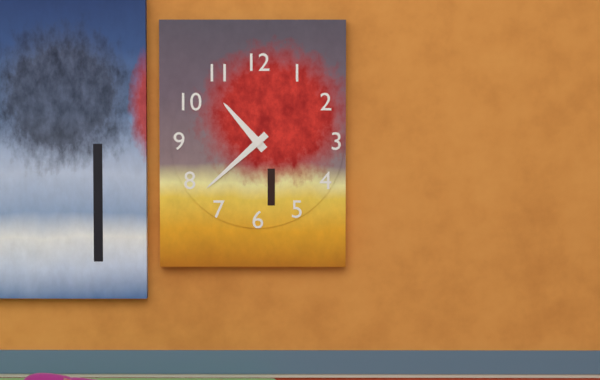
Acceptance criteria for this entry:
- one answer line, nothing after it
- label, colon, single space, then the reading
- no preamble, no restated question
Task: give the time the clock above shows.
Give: 10:38
